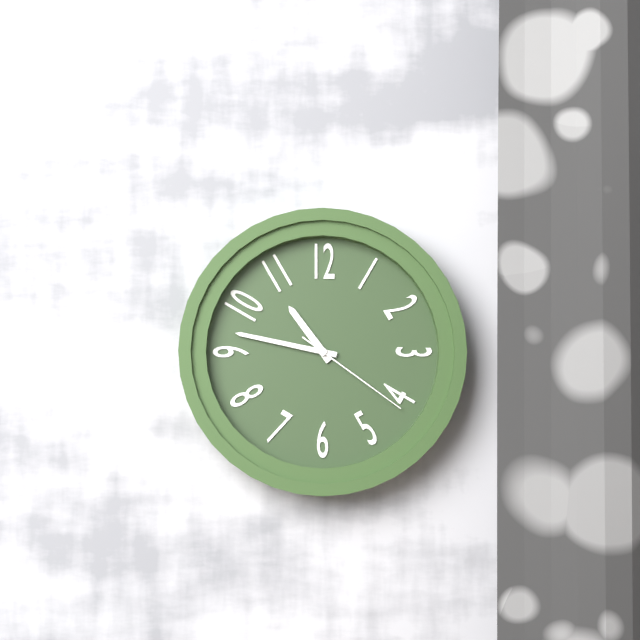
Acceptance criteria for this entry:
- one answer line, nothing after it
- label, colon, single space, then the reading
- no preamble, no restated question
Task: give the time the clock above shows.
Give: 10:47:21
